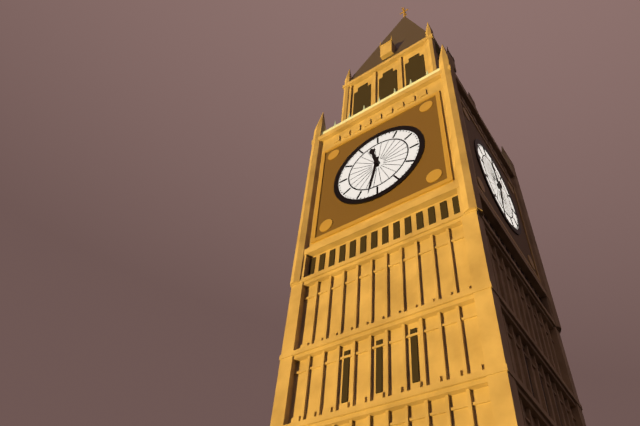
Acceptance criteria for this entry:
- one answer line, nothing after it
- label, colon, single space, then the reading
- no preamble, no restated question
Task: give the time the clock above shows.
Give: 11:32
